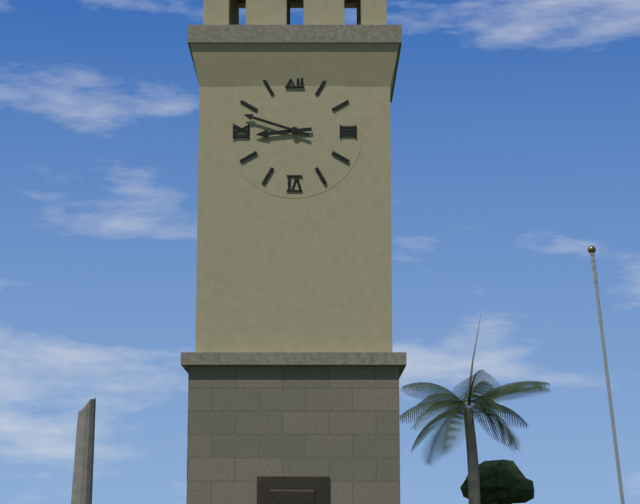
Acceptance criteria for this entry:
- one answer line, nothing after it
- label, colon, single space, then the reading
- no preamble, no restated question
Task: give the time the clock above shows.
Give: 8:48
